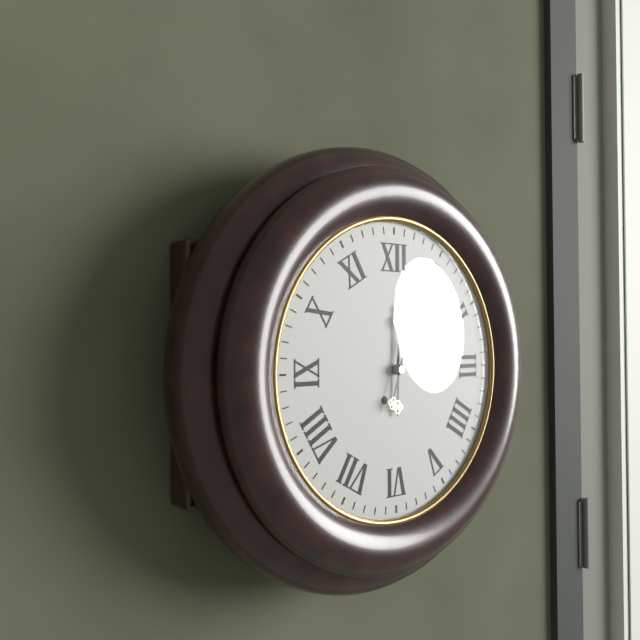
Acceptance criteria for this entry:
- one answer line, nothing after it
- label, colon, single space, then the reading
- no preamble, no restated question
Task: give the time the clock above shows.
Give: 12:03
